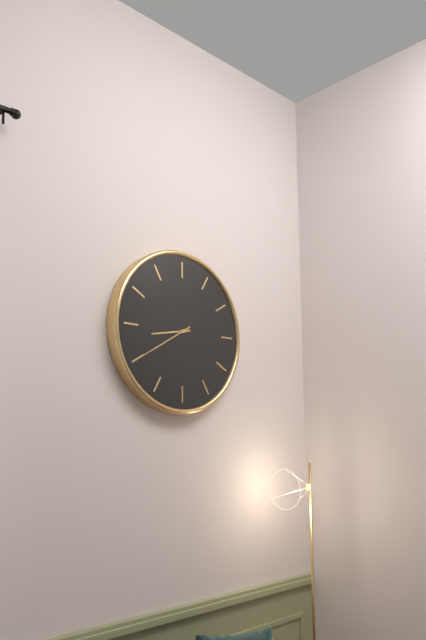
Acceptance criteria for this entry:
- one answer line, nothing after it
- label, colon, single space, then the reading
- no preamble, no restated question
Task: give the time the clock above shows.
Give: 8:40
